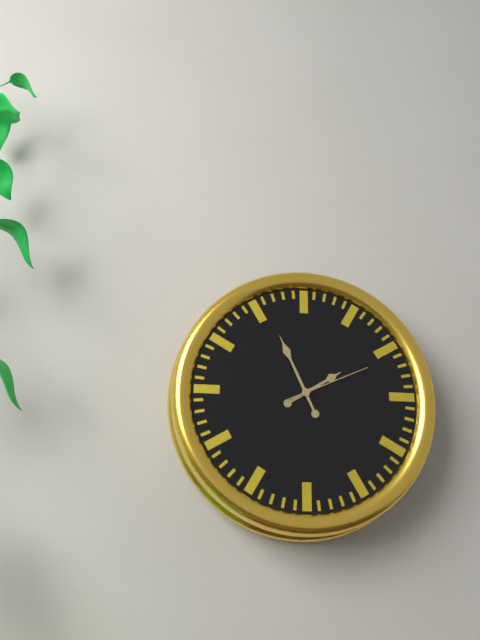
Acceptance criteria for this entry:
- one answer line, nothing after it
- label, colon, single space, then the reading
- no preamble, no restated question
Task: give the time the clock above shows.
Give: 1:56:11
